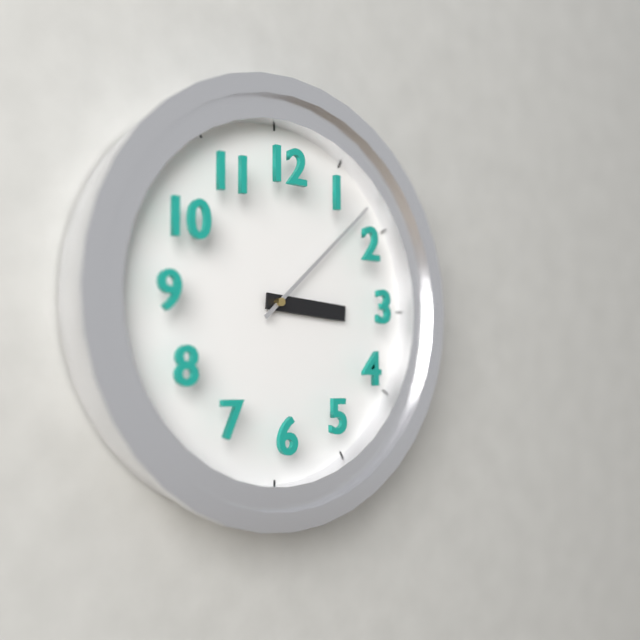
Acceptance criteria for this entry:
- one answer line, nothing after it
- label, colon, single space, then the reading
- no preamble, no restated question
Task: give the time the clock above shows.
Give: 3:08
